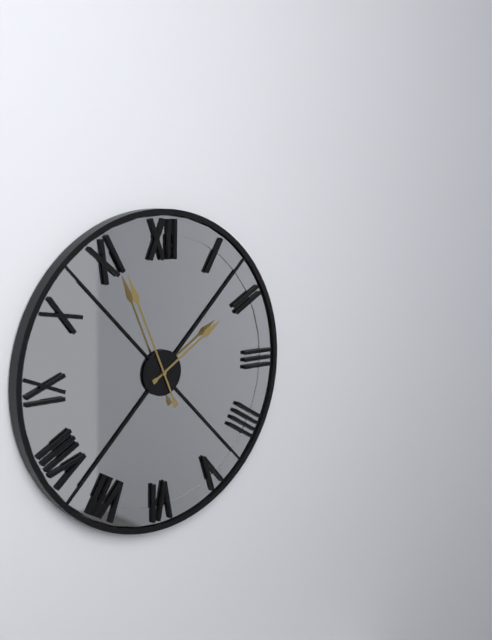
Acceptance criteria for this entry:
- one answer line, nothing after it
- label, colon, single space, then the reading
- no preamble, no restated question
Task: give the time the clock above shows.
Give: 1:56
